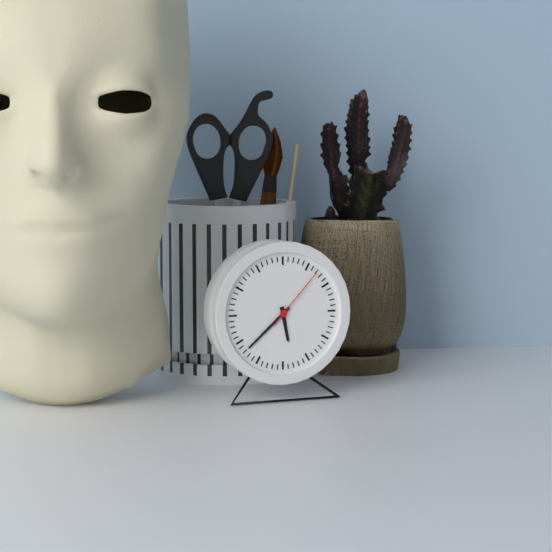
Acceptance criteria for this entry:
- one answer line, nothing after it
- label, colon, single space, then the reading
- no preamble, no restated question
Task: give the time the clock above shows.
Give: 5:38:07
